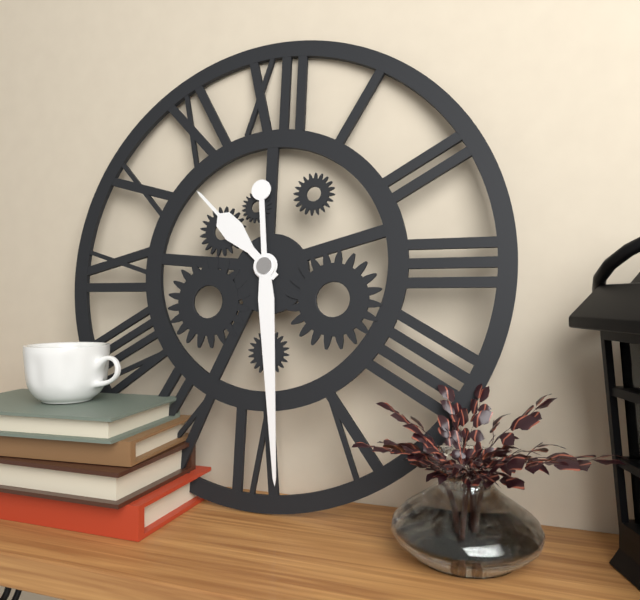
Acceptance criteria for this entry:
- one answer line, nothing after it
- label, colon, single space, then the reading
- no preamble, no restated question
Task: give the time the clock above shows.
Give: 10:29
